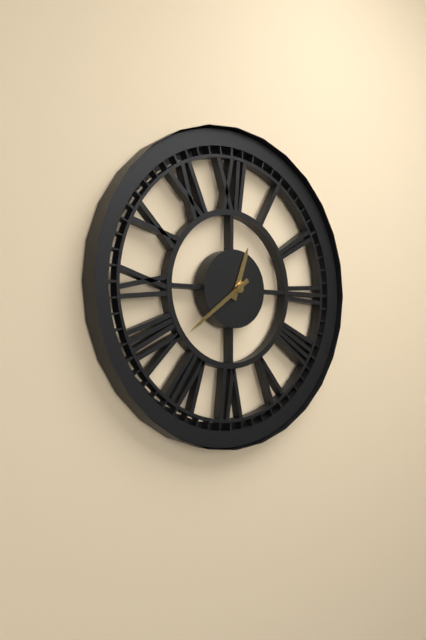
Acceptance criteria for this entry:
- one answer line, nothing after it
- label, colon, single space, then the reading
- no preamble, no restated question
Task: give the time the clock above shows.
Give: 12:39
